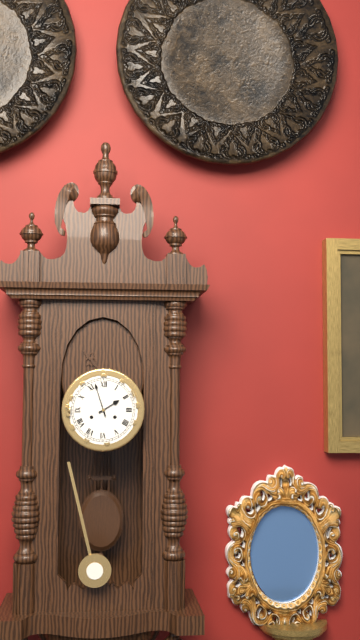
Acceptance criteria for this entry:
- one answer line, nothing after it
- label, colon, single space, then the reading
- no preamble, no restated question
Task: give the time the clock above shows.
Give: 1:57
